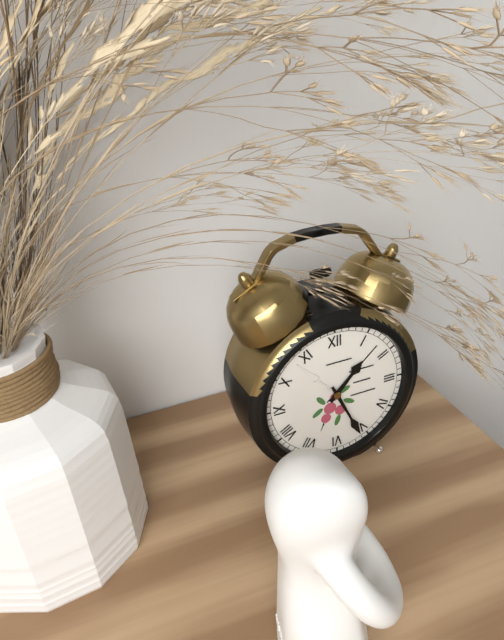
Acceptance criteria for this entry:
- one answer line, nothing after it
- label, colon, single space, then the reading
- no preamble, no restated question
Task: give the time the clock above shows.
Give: 1:26
